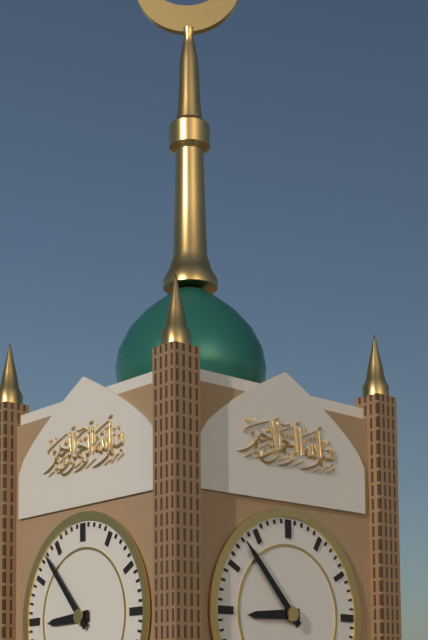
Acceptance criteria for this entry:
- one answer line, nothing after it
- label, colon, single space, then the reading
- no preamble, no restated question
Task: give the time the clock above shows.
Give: 8:53
